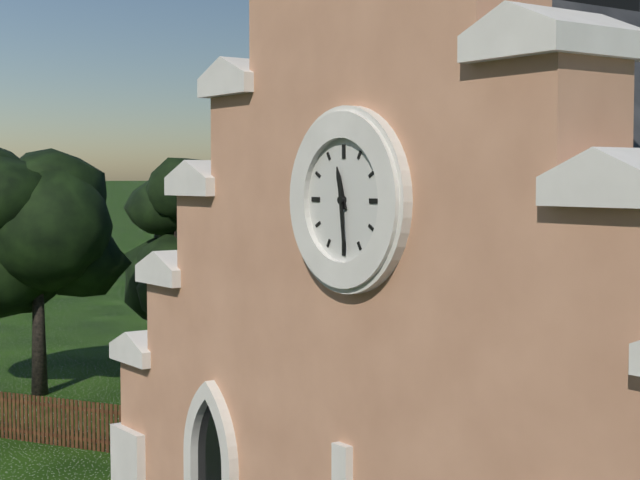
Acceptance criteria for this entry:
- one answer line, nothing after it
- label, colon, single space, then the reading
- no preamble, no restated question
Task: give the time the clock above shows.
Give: 11:29
